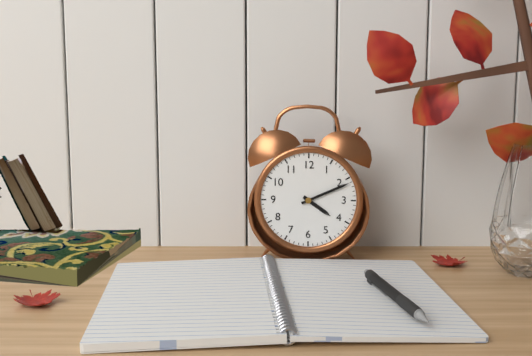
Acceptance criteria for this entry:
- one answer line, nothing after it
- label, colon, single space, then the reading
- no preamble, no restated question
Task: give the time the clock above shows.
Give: 4:11
